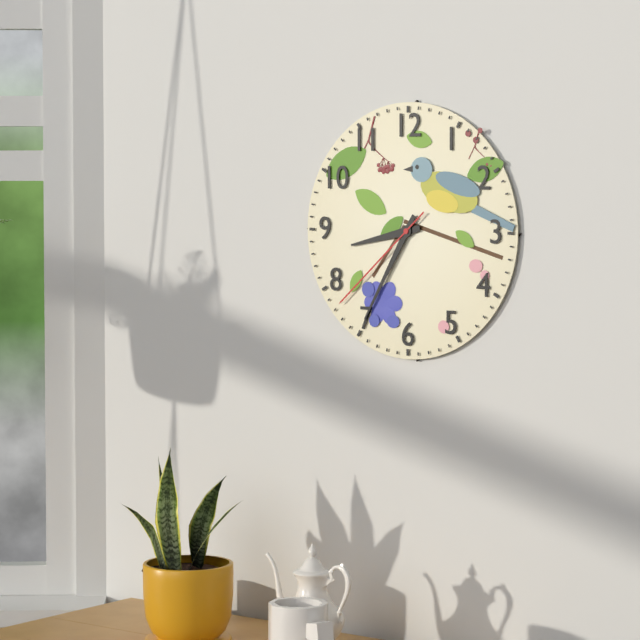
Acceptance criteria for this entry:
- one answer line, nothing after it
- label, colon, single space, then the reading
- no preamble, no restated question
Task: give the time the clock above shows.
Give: 8:35:38
